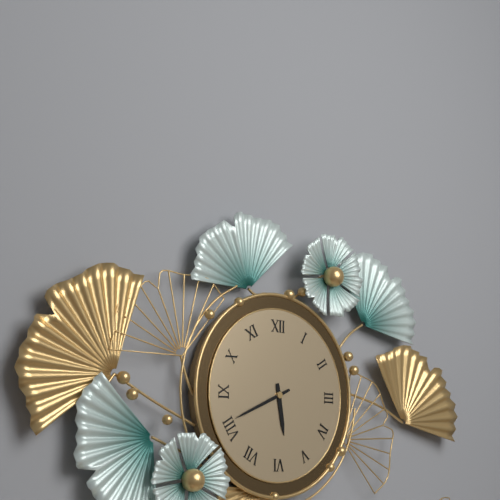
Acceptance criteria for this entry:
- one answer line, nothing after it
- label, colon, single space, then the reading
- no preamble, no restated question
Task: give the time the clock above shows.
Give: 5:41
